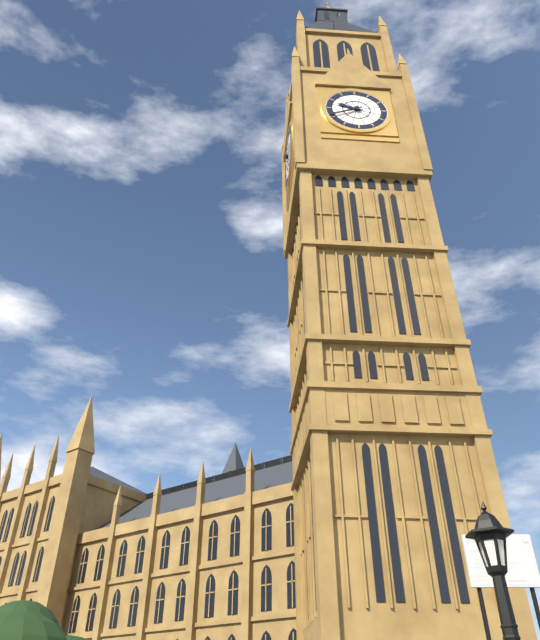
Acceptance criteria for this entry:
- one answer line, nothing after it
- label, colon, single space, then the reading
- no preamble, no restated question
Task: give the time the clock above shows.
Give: 9:41
